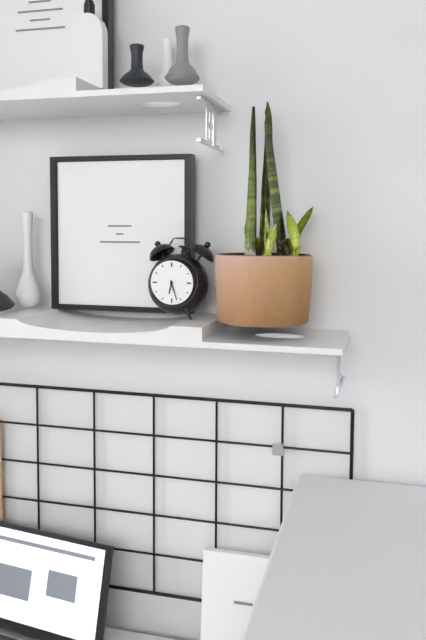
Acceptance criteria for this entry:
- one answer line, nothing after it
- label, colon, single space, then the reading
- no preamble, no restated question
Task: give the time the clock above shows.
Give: 6:27
